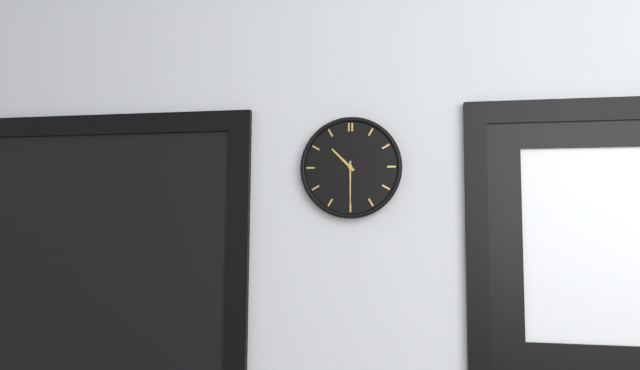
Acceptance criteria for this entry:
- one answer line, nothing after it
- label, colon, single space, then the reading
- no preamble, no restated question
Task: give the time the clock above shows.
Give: 10:30
